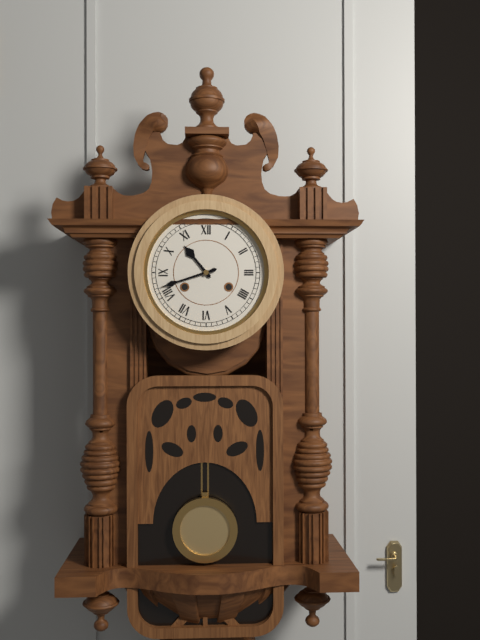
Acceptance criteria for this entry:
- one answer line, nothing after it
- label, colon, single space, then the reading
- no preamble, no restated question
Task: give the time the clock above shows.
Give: 10:42
